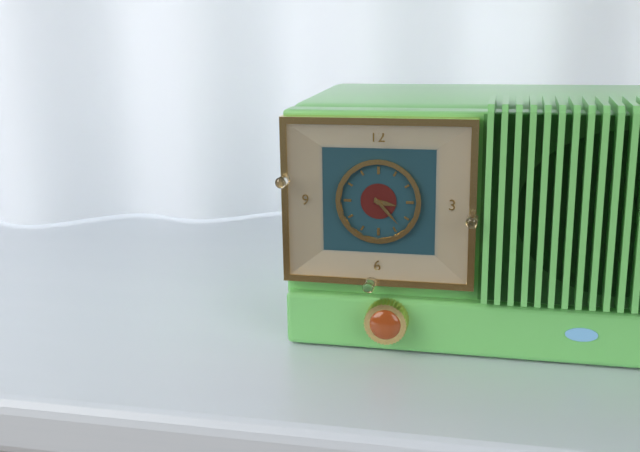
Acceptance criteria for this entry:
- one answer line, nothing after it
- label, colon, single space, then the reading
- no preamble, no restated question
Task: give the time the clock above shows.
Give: 3:23
